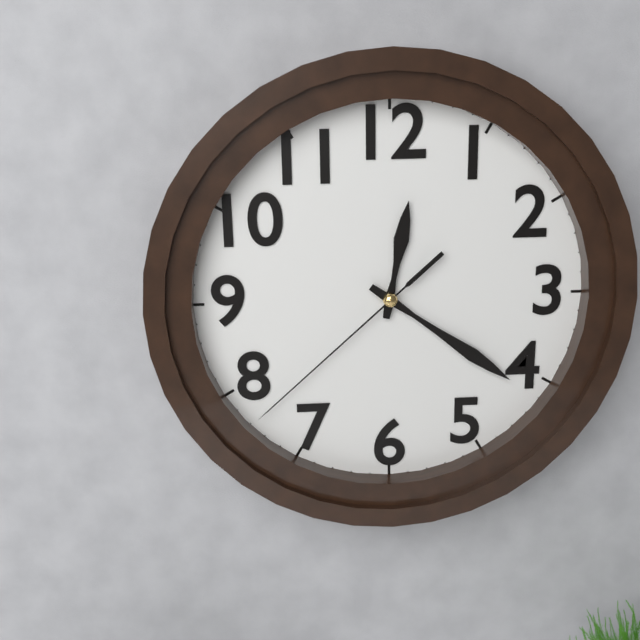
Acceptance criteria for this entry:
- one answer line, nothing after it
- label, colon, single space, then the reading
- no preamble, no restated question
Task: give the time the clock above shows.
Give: 12:21:38
